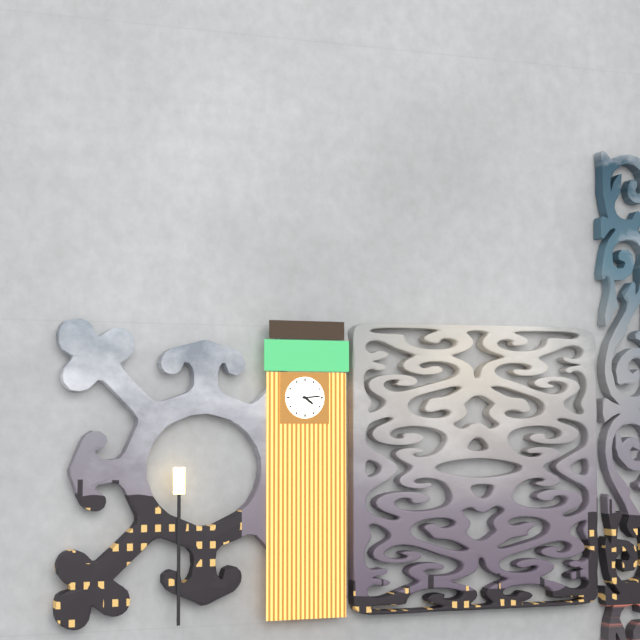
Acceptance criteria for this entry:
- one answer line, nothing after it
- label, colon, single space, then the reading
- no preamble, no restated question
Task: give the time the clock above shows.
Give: 4:14
